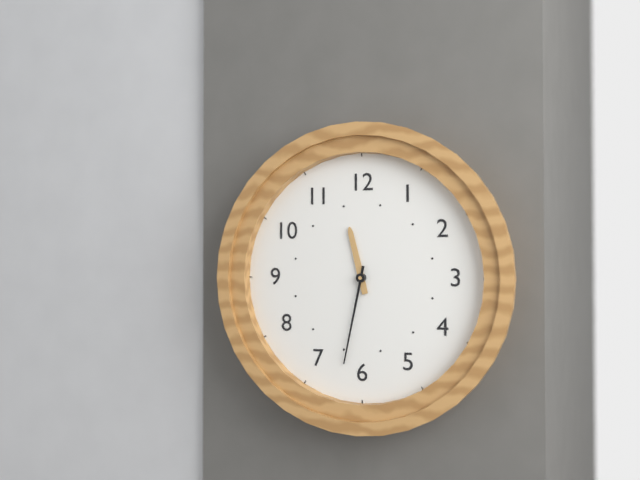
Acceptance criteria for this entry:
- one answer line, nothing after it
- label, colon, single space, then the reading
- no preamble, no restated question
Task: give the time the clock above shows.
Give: 11:32
